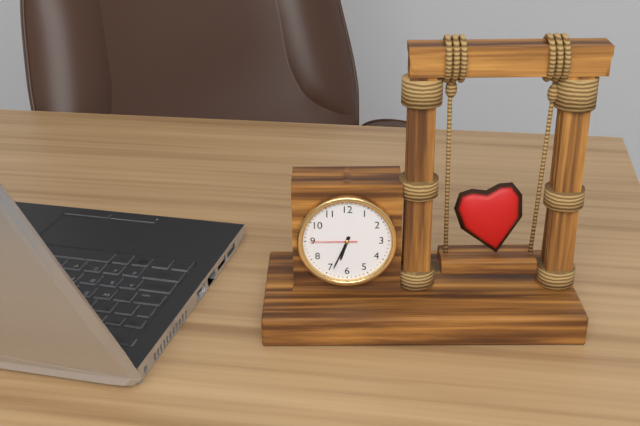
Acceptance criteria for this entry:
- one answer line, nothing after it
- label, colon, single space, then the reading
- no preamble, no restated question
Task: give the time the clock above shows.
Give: 6:34
